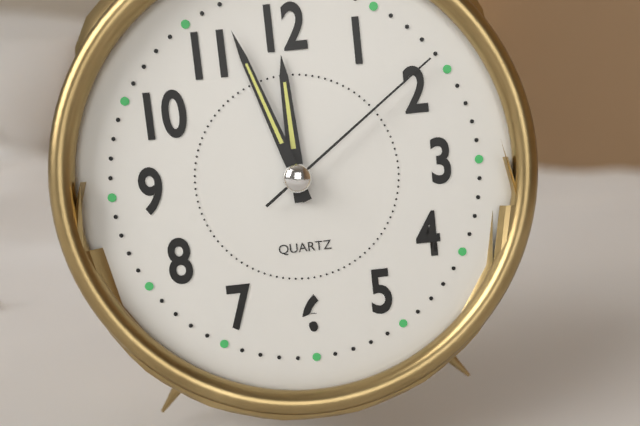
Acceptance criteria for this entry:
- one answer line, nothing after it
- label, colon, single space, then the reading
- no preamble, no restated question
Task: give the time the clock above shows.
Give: 11:57:09
